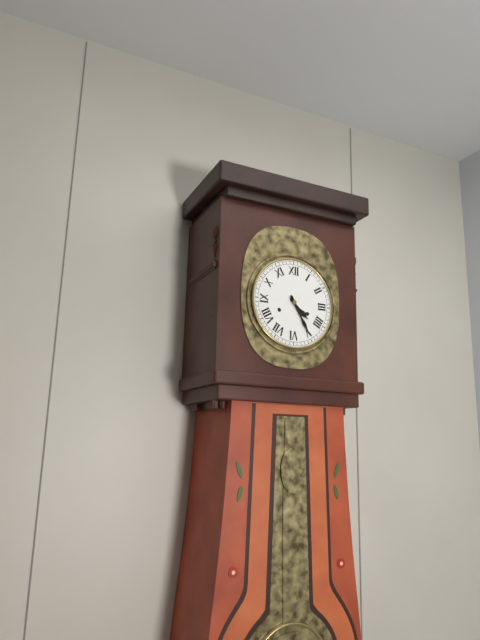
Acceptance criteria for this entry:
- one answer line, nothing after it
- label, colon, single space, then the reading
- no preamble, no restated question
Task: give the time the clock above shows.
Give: 4:25
